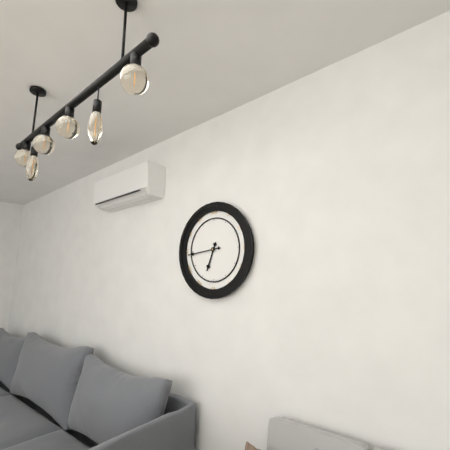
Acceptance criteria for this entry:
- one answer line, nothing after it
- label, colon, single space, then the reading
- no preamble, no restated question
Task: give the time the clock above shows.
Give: 6:44
